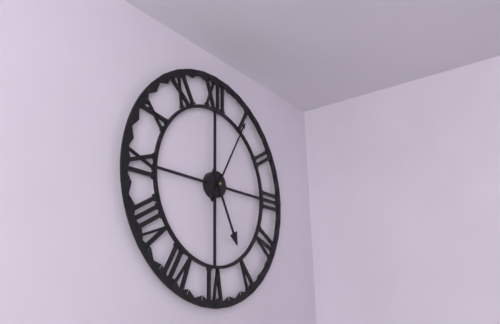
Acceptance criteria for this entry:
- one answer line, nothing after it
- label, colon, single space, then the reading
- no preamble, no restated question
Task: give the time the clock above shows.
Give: 5:05
